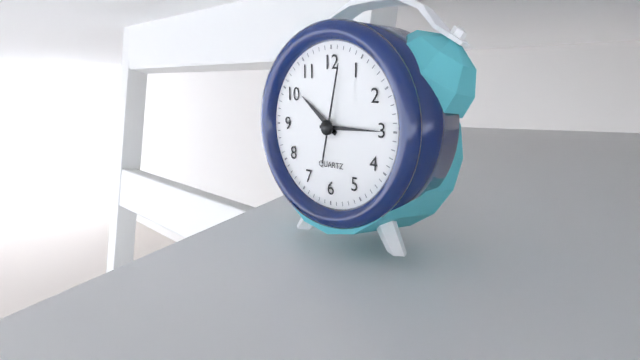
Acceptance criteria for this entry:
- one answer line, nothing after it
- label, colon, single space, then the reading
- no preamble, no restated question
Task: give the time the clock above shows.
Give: 10:15:02
